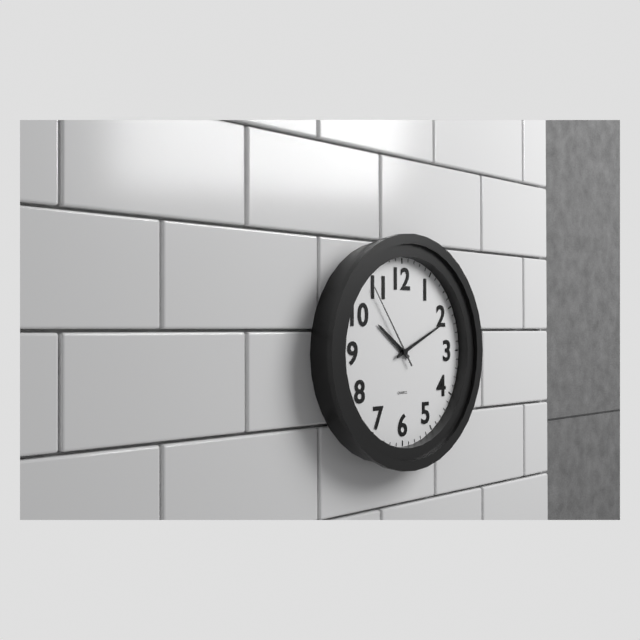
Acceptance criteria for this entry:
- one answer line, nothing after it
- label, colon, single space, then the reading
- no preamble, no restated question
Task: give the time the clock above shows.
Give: 10:11:54
